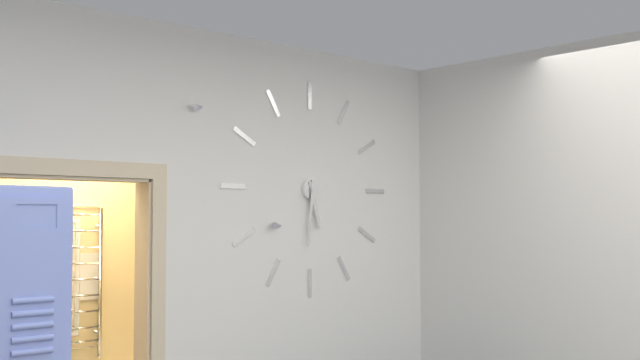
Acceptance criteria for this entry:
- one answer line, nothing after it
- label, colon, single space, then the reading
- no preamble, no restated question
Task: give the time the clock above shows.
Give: 5:31
